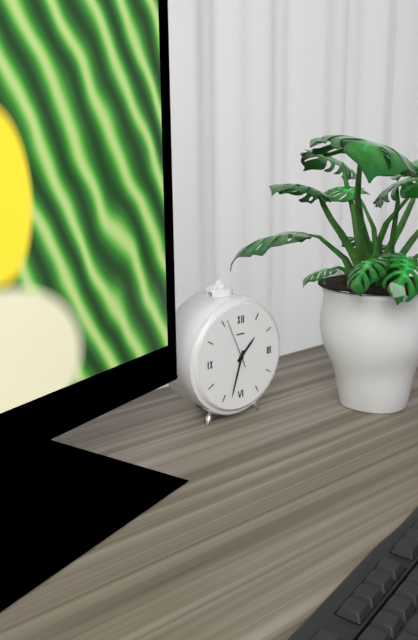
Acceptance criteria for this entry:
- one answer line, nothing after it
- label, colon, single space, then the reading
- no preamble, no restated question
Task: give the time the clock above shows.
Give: 1:33
